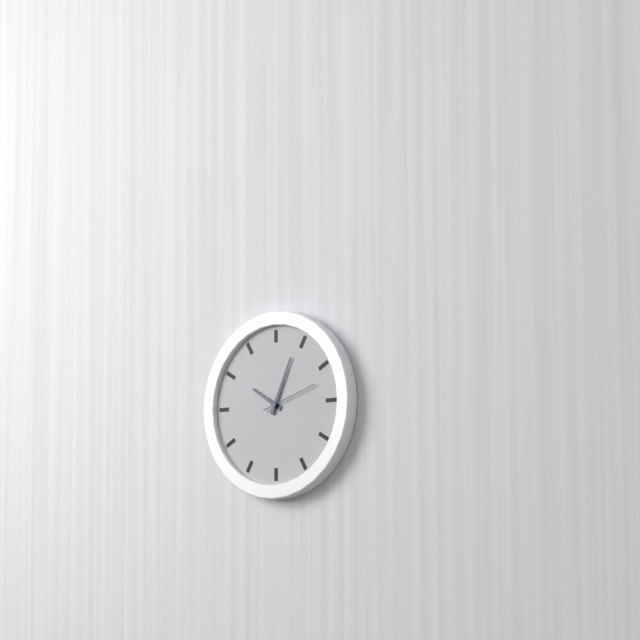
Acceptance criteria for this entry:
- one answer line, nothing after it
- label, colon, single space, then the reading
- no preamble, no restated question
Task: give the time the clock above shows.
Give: 10:04:12
